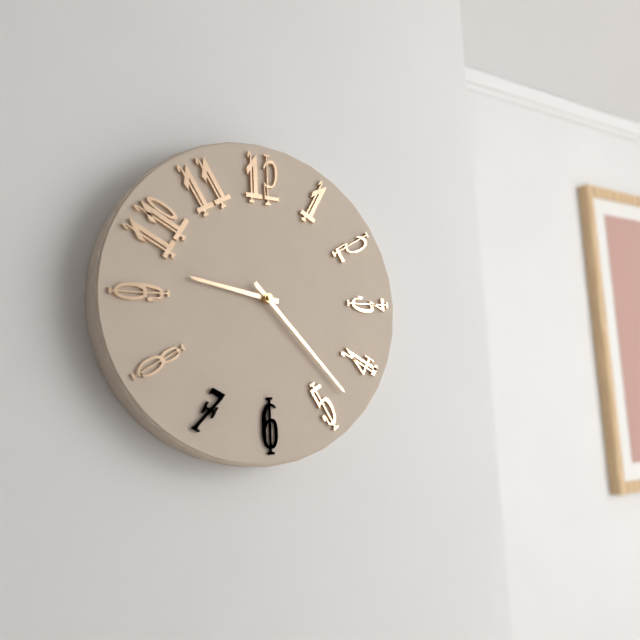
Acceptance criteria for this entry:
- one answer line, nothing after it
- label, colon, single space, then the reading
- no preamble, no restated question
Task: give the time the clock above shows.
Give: 9:23
